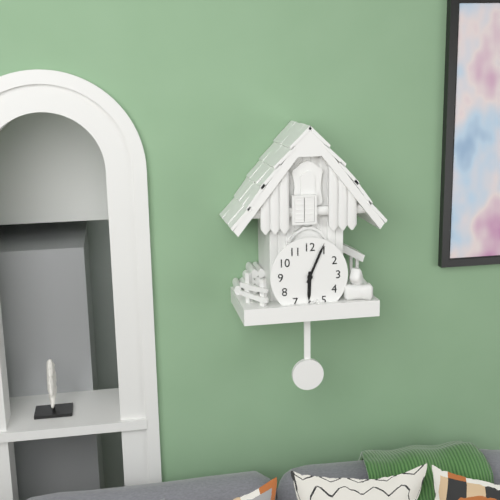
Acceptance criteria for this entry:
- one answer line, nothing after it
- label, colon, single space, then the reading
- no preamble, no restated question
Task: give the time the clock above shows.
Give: 6:04
